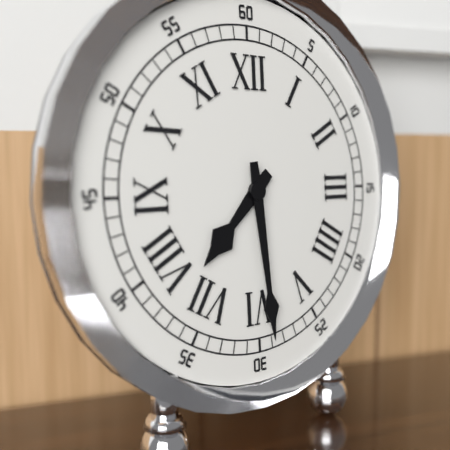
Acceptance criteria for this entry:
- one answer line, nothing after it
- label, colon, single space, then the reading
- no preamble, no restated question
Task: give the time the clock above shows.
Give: 7:29
